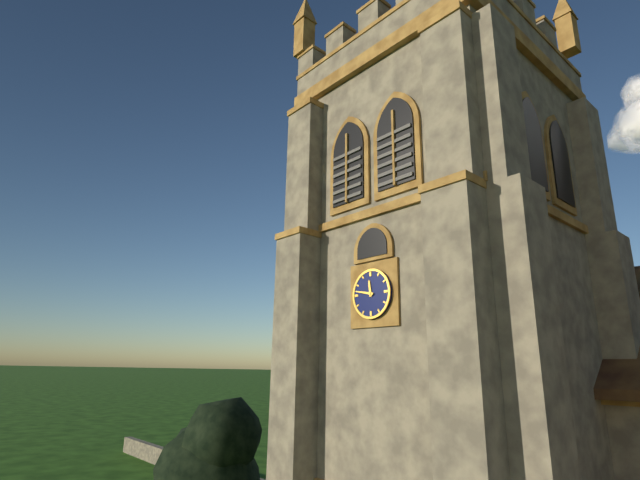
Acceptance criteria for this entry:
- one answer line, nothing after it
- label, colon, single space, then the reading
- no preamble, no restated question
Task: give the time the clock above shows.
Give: 11:47
